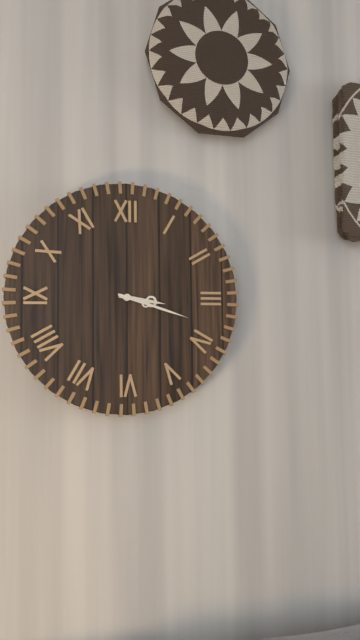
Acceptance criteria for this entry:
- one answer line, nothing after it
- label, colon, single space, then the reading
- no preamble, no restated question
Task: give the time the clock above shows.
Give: 3:18
